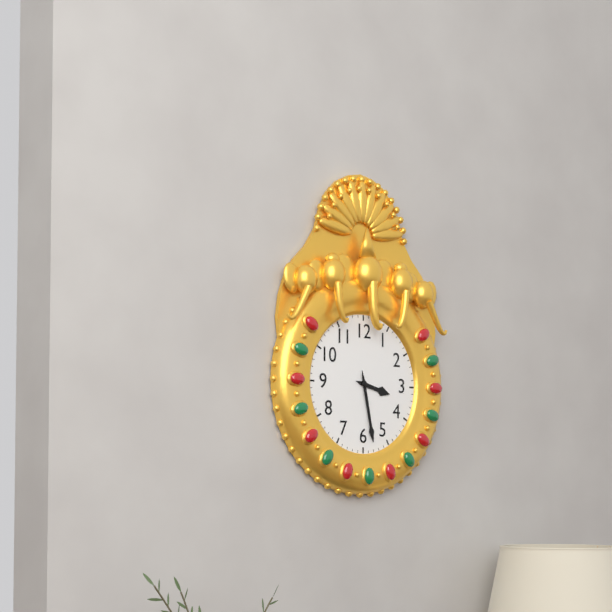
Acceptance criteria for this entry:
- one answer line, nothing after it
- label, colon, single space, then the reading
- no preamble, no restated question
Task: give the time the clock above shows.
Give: 3:28
